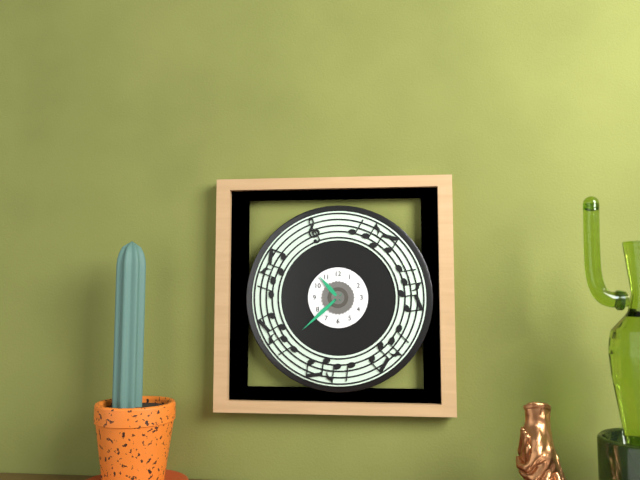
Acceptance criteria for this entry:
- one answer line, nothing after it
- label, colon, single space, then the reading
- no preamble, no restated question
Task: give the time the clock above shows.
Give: 10:38
